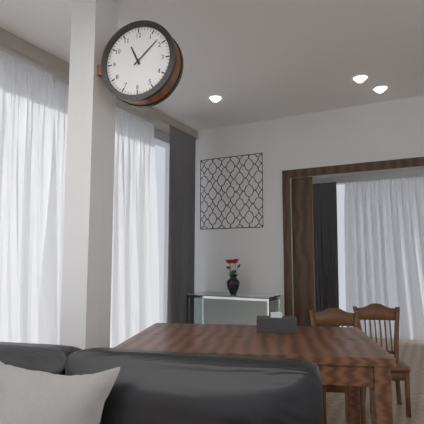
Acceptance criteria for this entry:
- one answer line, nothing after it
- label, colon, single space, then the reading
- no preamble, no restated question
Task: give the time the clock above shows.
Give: 11:08
